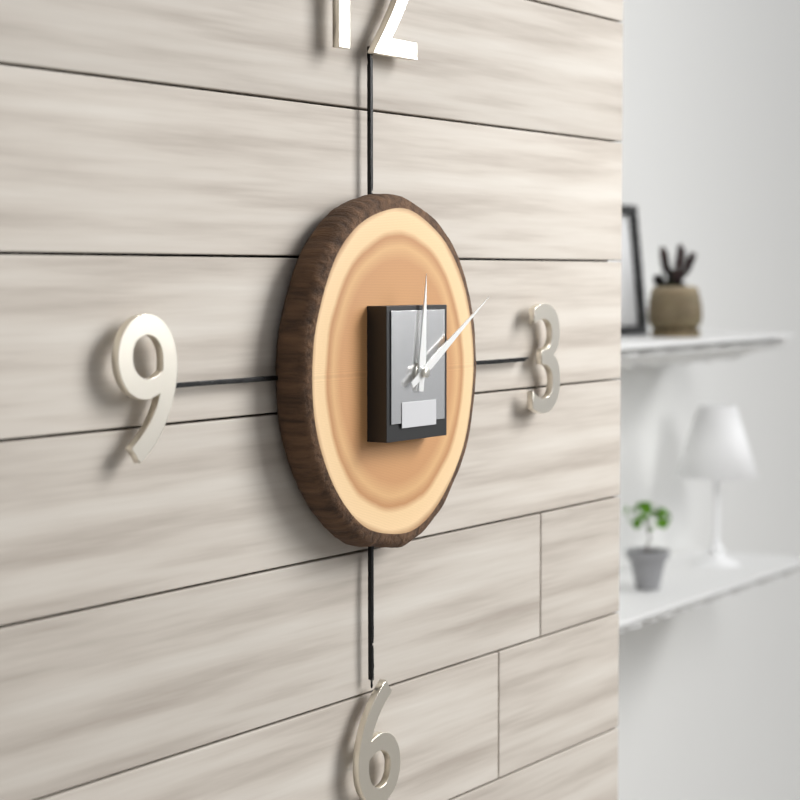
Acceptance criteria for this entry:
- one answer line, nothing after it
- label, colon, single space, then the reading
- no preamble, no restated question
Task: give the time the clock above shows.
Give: 12:10
